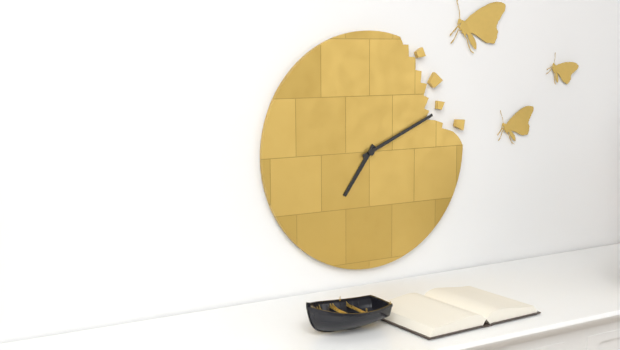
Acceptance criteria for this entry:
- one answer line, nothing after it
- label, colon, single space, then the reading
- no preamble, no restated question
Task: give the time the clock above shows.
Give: 7:11
